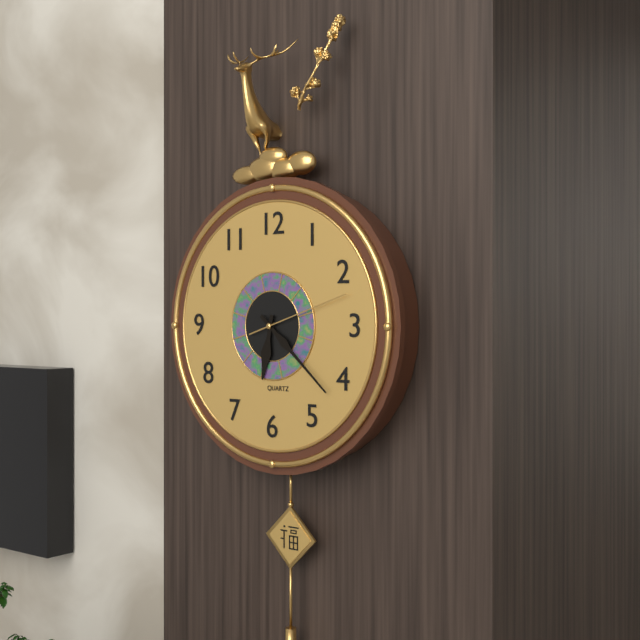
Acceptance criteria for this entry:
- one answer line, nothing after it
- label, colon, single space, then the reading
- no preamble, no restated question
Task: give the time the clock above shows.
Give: 6:22:12
